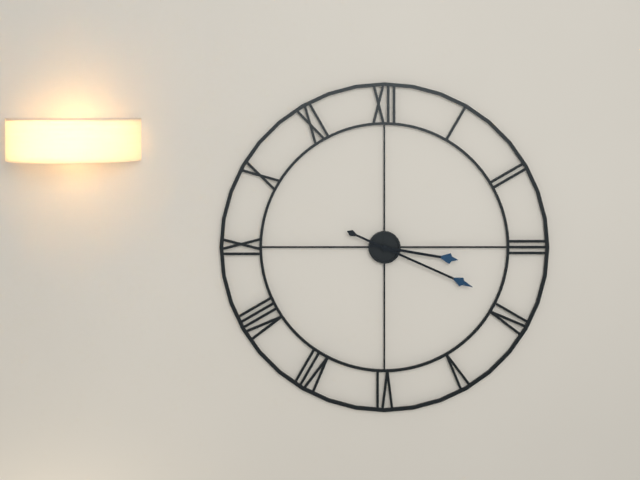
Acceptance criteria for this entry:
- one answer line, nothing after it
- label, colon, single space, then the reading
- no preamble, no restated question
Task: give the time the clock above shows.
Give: 3:19
